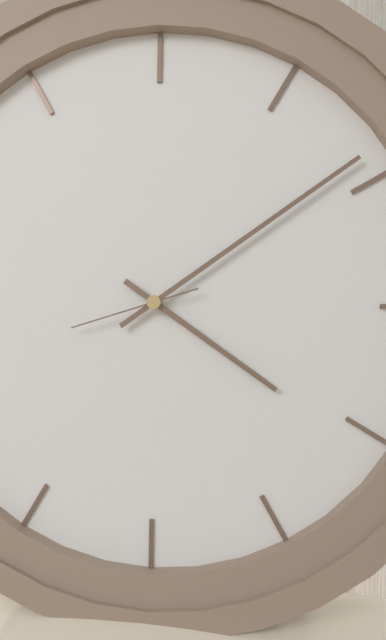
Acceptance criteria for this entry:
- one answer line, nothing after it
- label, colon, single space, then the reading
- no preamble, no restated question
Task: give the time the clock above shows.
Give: 4:09:42
